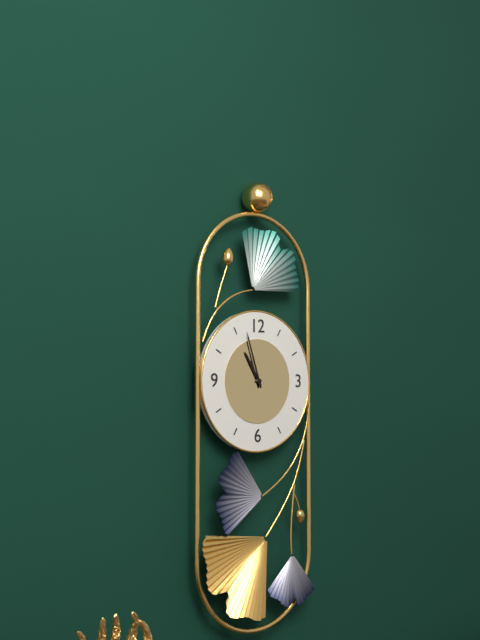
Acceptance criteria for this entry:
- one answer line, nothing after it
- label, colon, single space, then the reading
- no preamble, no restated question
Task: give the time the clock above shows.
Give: 10:57
